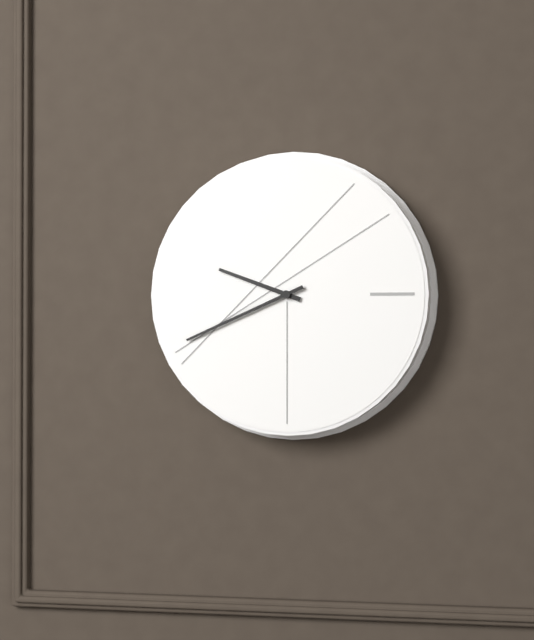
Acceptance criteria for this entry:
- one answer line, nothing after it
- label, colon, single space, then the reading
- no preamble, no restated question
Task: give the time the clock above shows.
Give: 9:41
